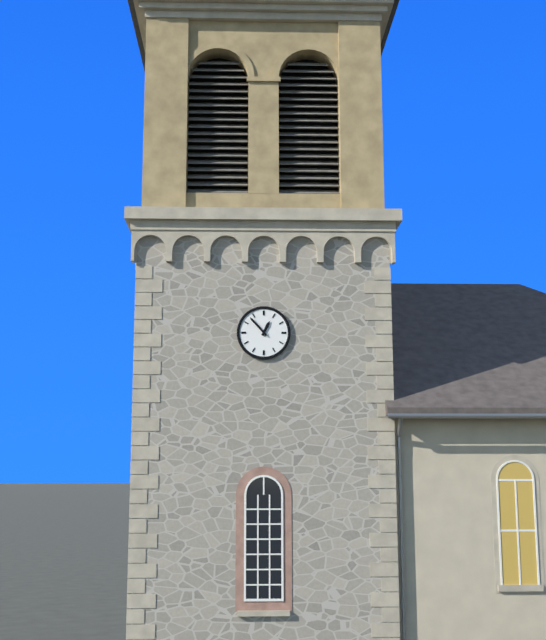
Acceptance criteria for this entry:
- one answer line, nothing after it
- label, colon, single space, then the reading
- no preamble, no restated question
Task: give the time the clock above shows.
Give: 12:53
